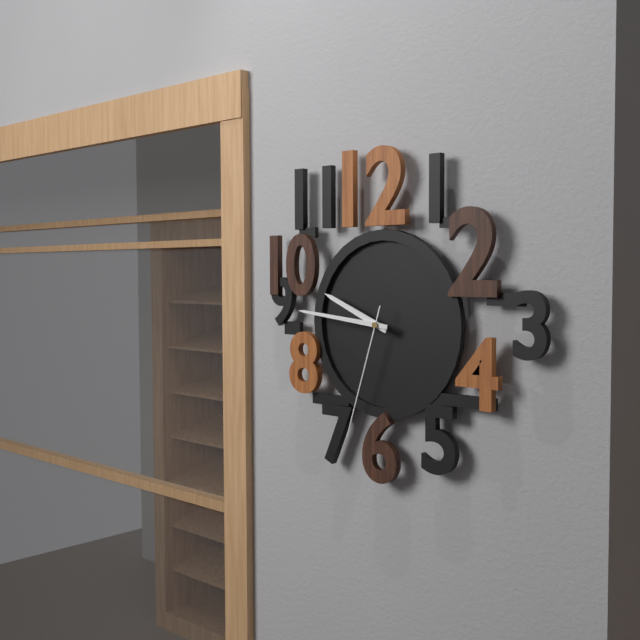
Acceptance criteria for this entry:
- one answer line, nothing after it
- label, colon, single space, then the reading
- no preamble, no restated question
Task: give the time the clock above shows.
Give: 9:46:33
